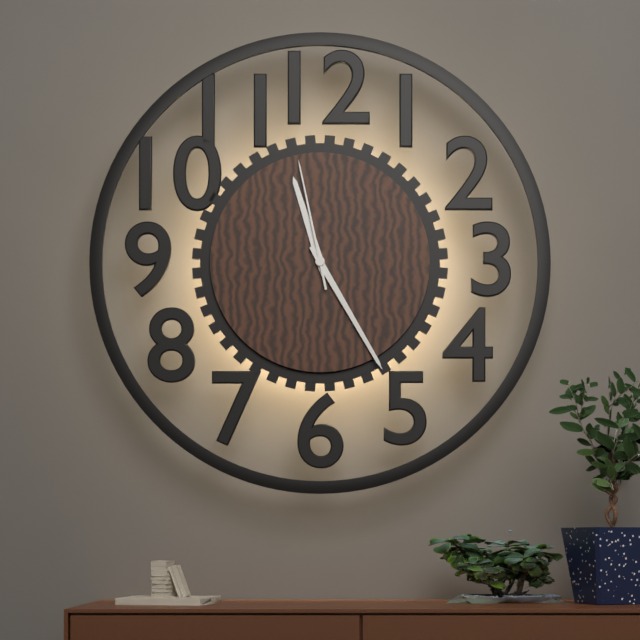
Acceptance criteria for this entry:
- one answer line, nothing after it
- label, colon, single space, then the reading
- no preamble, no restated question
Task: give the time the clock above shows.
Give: 11:25:58
